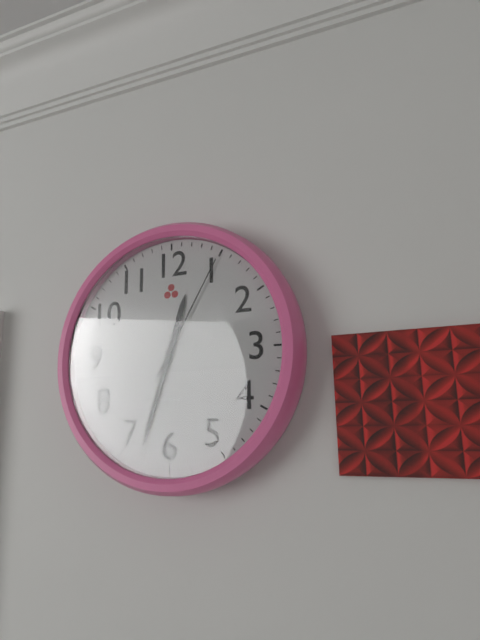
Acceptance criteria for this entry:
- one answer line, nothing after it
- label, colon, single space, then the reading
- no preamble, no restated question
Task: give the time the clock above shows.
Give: 12:33:05
